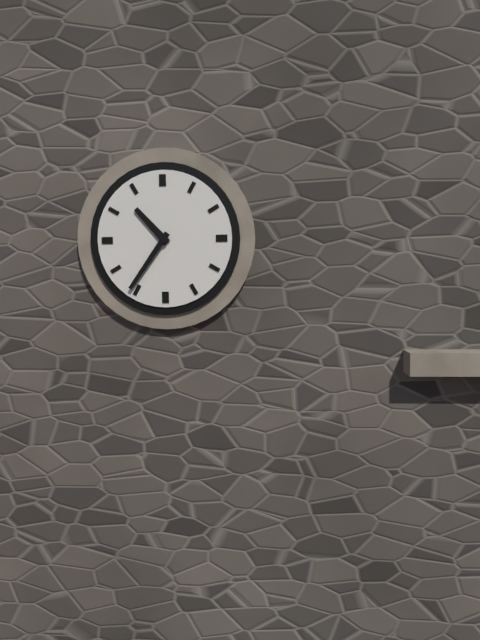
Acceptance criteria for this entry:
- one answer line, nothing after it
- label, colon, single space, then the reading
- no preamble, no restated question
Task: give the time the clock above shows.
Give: 10:36
